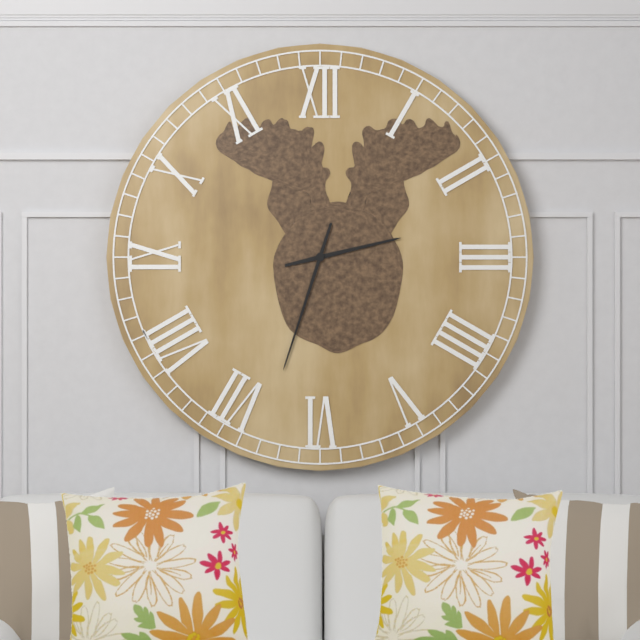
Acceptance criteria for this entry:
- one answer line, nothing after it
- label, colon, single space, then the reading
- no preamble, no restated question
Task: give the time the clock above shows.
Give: 2:33
